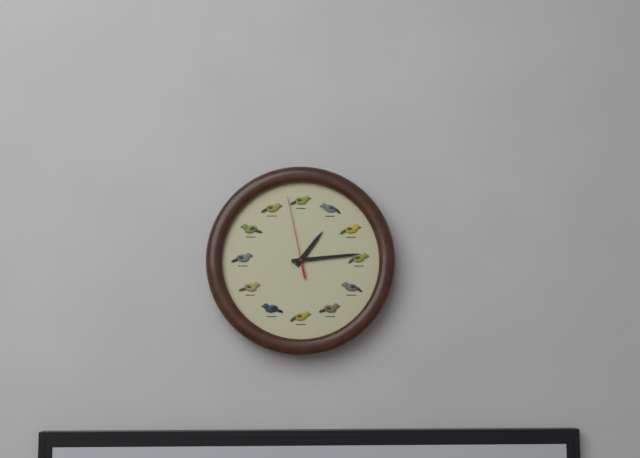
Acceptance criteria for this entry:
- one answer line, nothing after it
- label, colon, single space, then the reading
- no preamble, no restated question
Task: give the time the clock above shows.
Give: 1:14:58
